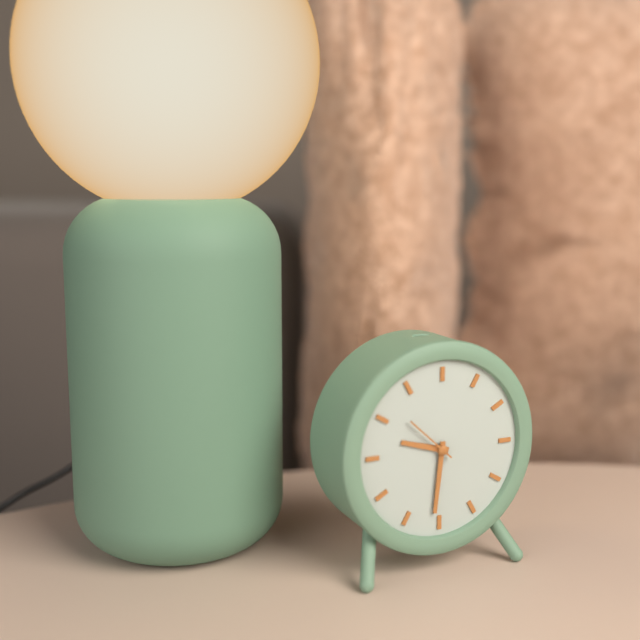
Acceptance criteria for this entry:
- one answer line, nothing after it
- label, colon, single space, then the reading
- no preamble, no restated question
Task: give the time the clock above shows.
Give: 9:31:52
